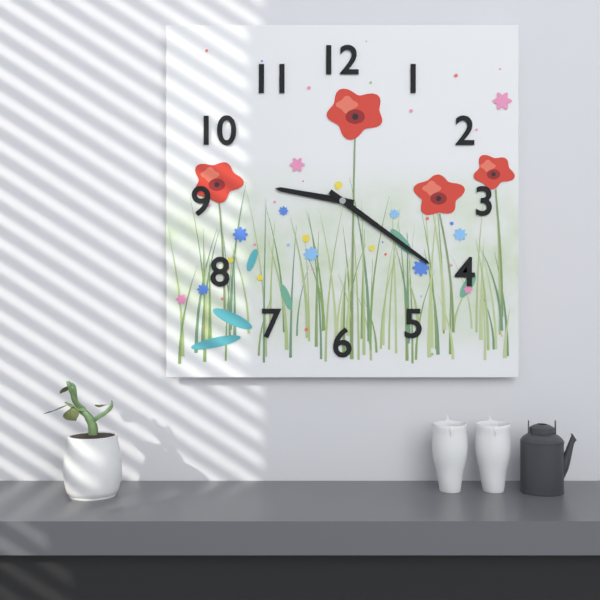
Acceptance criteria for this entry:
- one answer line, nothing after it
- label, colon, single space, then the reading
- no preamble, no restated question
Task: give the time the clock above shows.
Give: 9:21
